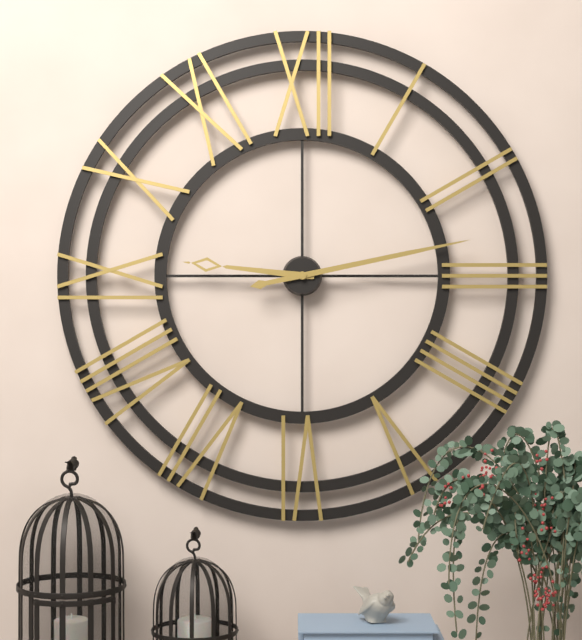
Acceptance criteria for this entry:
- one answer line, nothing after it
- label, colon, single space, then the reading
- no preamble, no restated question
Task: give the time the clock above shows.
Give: 9:13
